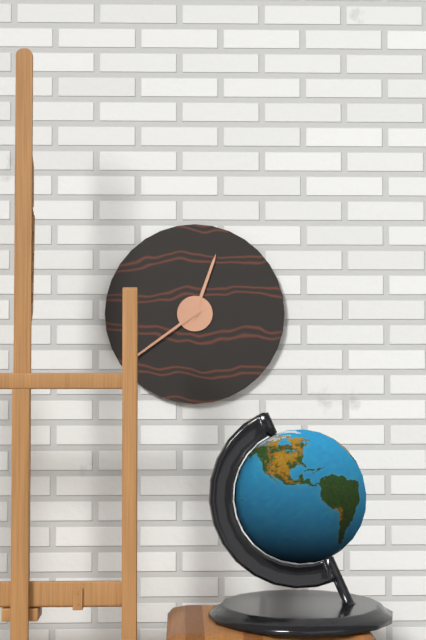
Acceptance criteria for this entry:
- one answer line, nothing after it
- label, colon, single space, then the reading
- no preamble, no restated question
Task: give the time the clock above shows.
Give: 12:39
